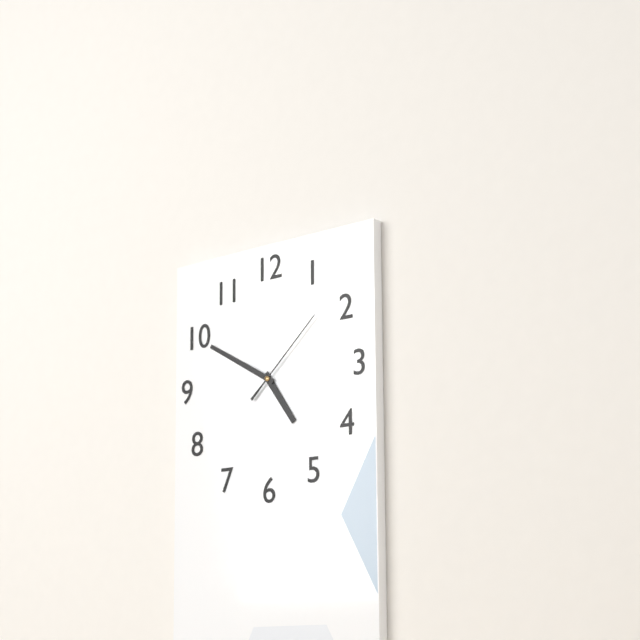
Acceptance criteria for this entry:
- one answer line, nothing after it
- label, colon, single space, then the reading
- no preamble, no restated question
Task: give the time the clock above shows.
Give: 4:50:08
